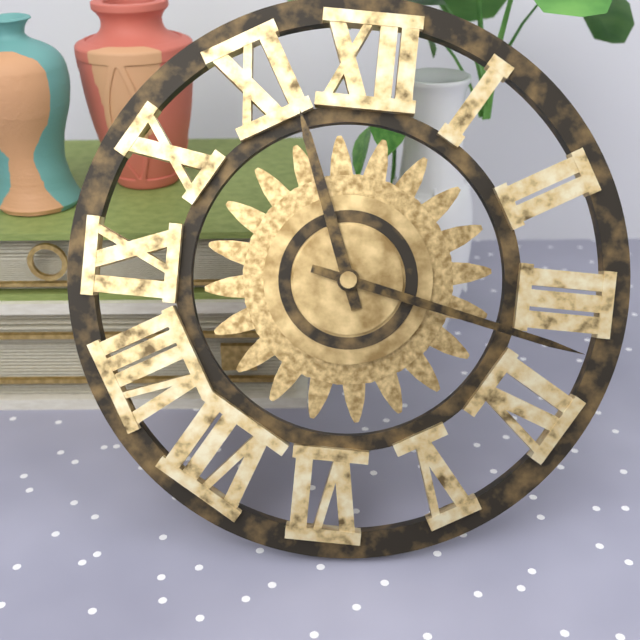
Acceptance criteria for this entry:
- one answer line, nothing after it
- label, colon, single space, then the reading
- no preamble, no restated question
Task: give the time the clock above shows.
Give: 11:17
